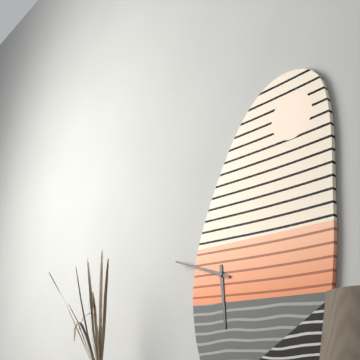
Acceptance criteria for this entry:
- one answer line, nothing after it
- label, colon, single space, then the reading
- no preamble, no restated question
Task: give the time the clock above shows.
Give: 5:48
